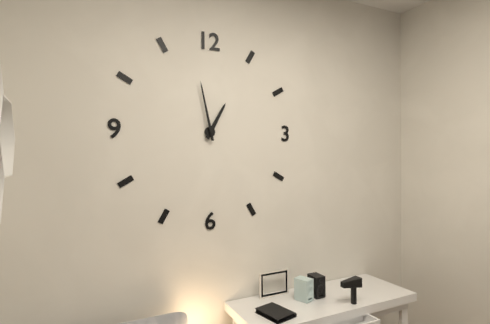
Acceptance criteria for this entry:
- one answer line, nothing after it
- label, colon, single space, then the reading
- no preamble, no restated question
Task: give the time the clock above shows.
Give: 12:58
